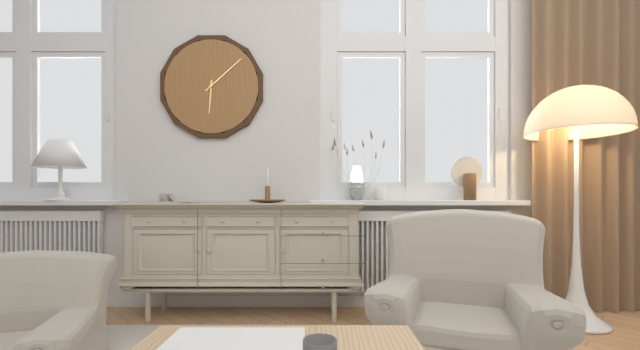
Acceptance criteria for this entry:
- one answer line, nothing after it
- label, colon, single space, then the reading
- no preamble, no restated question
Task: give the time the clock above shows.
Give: 6:08
